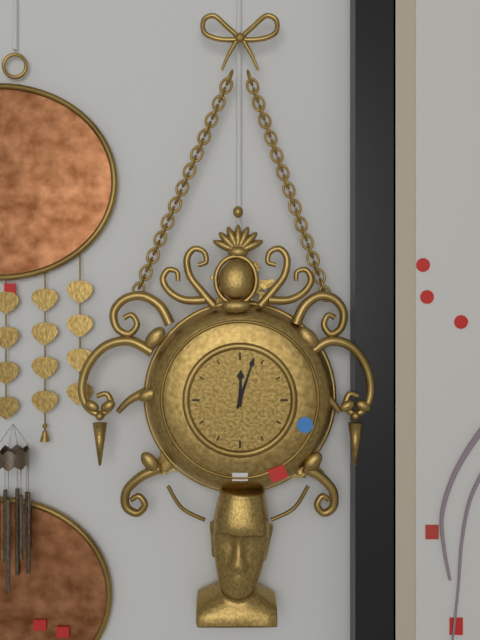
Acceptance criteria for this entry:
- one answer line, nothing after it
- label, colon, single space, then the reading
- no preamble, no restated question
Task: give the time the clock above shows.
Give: 12:03
